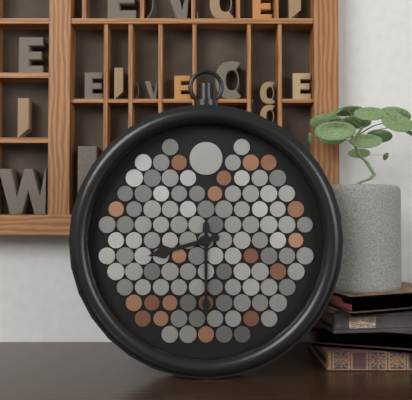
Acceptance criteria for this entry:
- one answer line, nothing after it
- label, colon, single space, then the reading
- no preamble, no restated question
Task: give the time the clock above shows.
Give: 8:30
